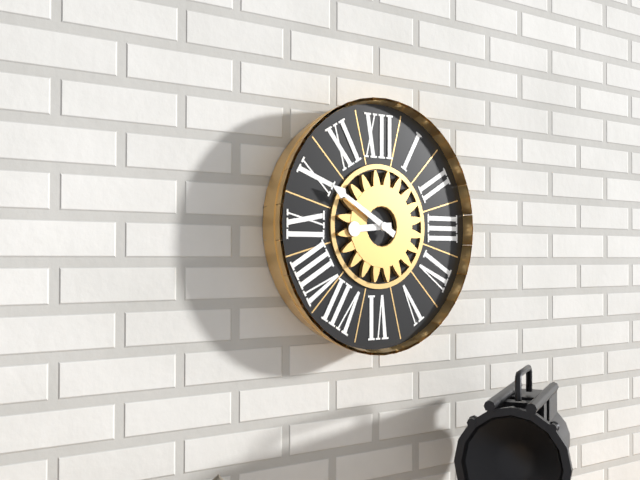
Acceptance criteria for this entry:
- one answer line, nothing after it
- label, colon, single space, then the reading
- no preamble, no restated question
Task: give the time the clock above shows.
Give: 8:50
